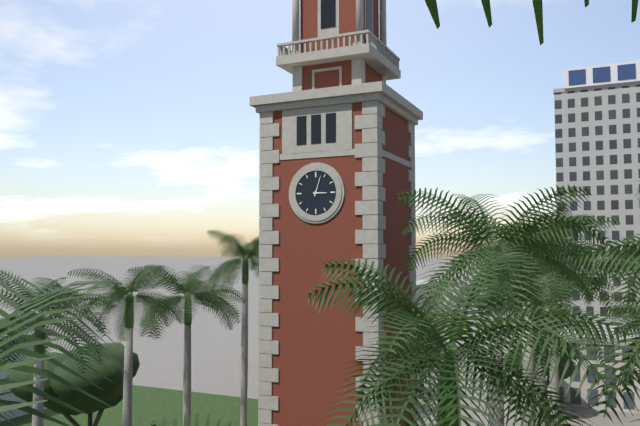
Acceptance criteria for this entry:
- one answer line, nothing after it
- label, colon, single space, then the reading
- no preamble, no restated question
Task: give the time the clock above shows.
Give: 3:03
